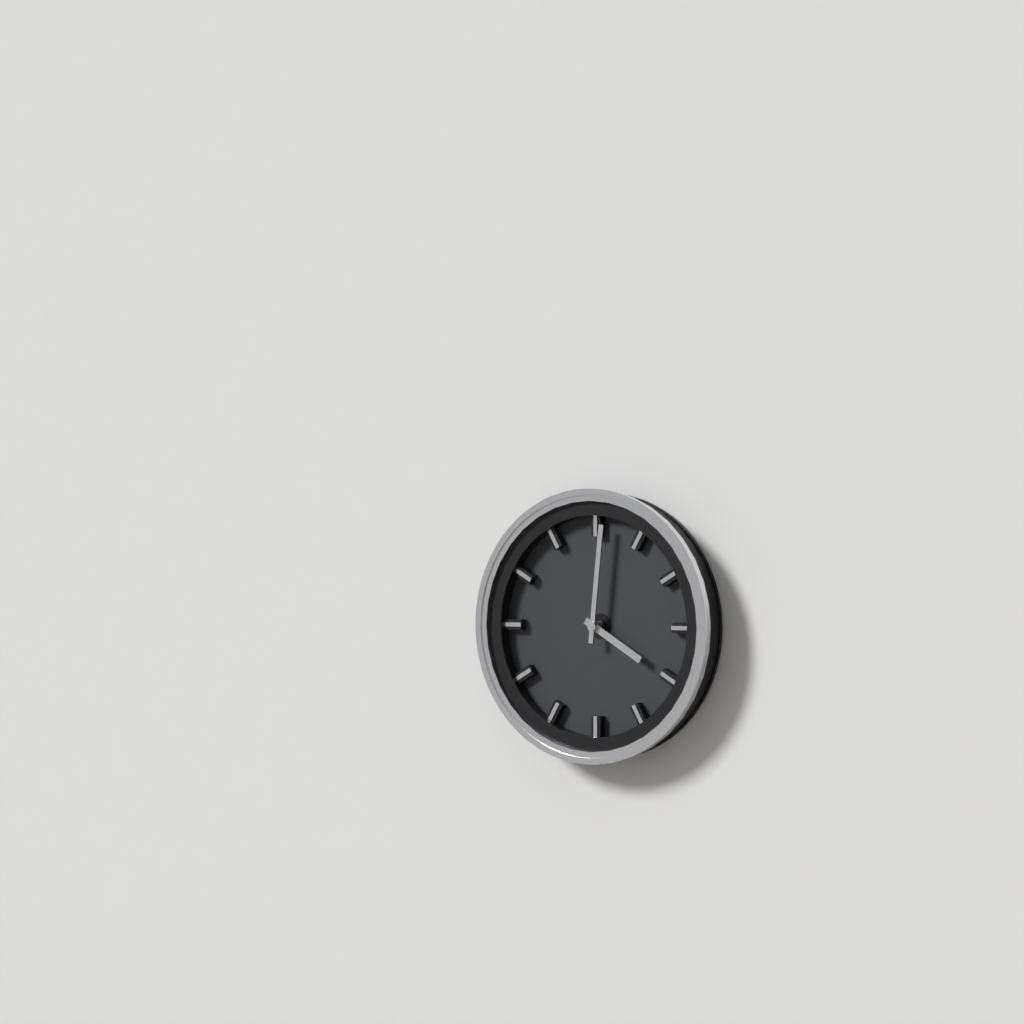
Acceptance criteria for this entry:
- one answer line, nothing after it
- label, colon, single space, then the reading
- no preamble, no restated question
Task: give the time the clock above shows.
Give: 4:01
